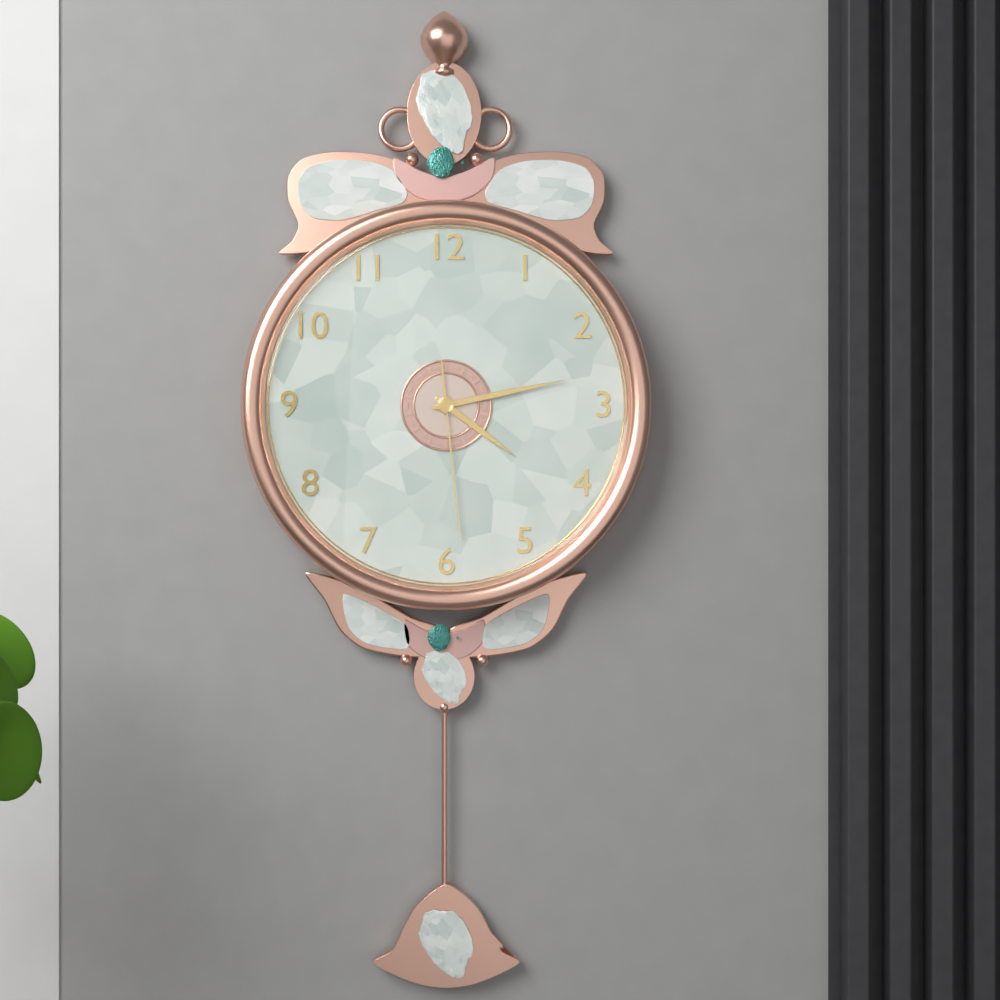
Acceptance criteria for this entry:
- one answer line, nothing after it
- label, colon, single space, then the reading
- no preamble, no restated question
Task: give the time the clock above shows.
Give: 4:13:29
